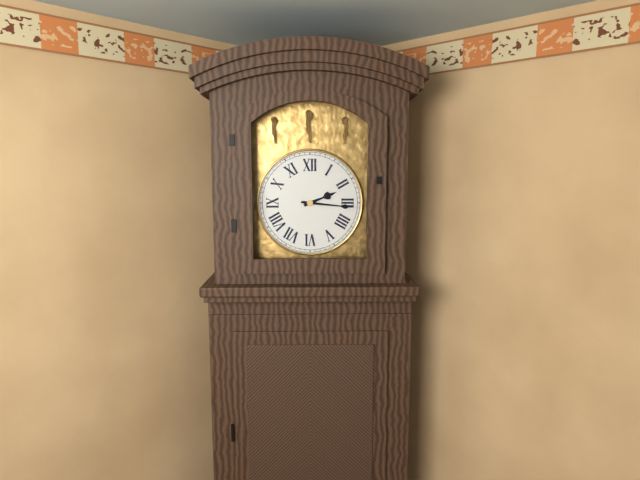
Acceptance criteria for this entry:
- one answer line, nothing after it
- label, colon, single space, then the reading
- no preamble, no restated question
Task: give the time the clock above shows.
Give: 2:16
